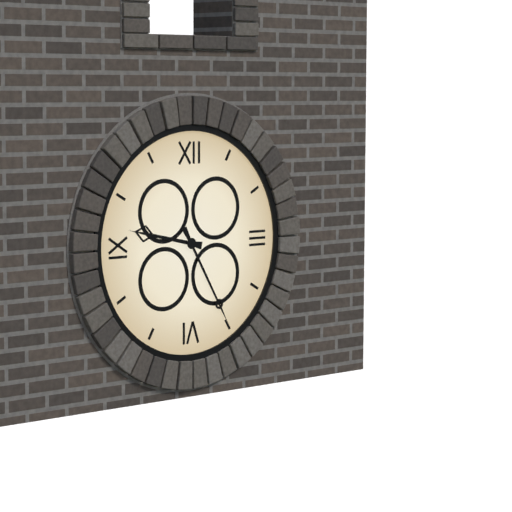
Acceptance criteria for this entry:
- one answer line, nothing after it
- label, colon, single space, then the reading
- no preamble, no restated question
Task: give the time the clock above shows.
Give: 9:25
